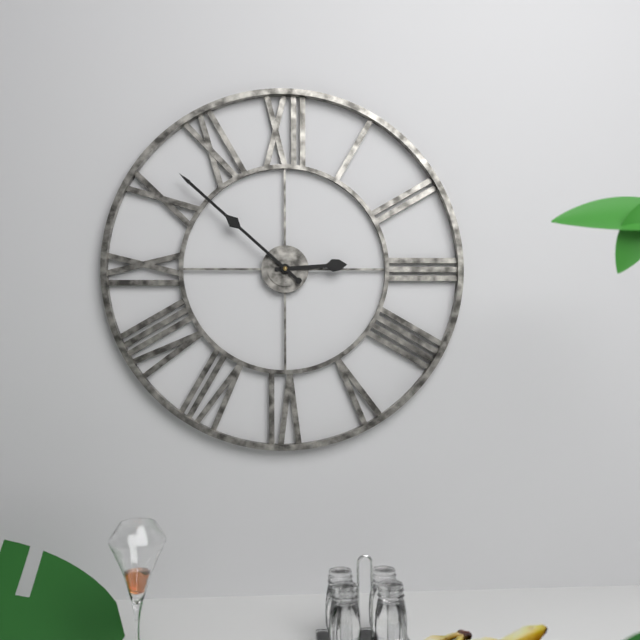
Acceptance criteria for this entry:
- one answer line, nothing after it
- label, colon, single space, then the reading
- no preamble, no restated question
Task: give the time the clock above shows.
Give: 2:52
